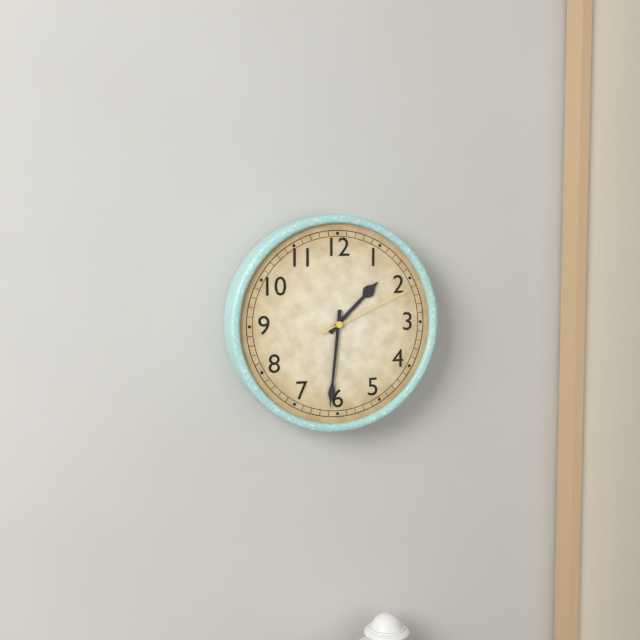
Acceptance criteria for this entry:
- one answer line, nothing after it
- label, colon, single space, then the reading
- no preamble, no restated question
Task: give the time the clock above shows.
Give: 1:31:11
